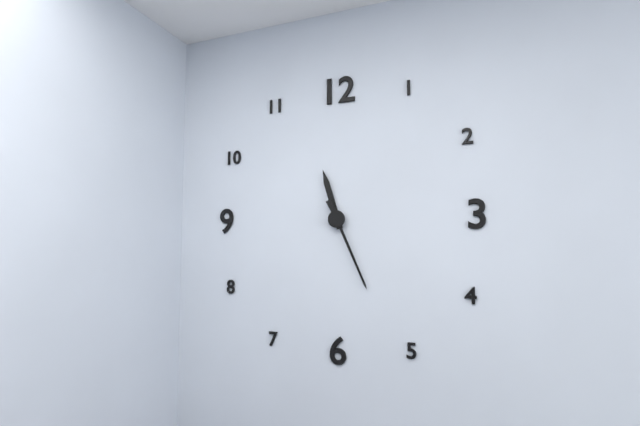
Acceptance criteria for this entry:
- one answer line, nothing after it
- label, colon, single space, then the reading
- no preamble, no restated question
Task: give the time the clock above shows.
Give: 11:26
